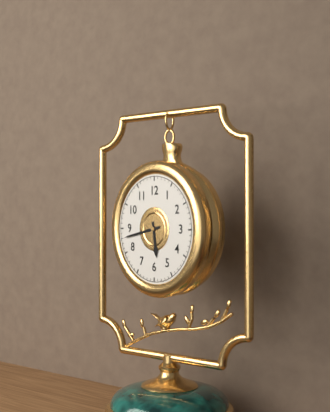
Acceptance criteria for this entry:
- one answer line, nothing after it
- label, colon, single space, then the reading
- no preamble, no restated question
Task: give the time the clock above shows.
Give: 5:43
